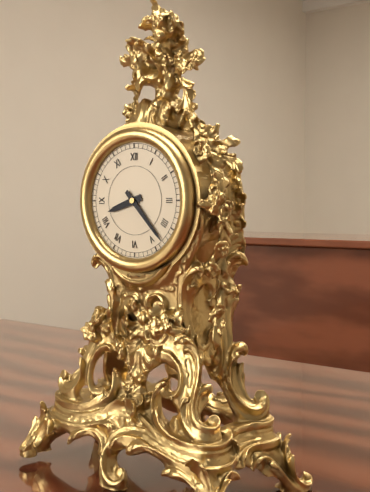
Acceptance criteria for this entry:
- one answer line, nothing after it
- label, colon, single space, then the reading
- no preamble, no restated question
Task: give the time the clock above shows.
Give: 8:23
